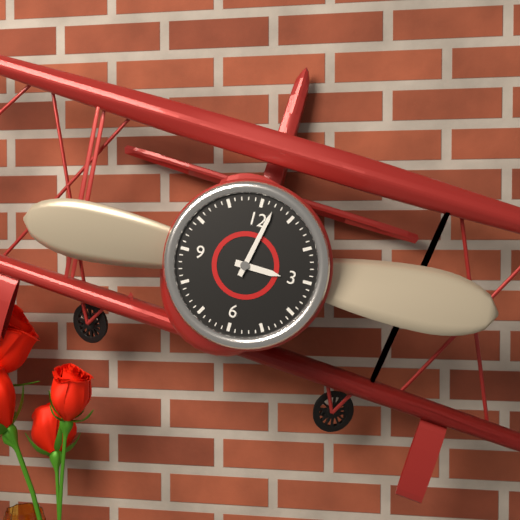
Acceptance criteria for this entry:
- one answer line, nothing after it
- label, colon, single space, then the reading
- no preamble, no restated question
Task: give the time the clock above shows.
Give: 3:02
